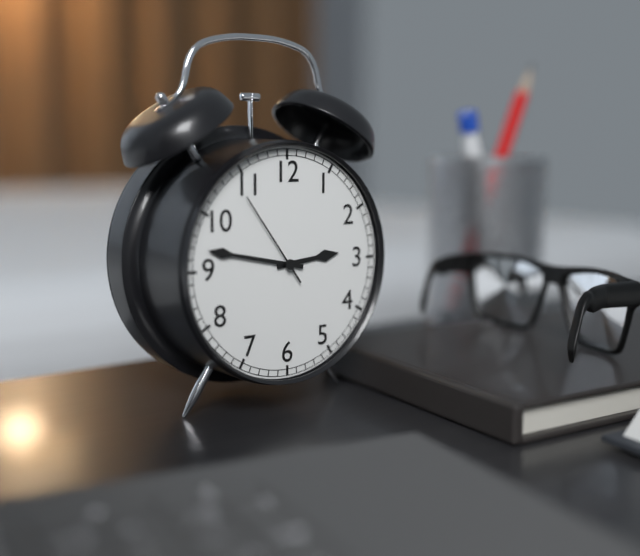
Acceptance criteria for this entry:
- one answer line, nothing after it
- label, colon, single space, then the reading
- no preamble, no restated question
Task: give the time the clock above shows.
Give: 2:47:54
